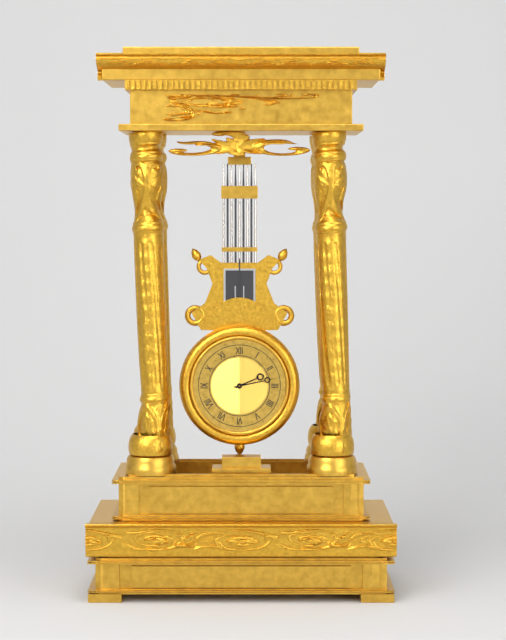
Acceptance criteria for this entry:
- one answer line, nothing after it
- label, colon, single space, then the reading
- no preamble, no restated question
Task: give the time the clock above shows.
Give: 2:13
